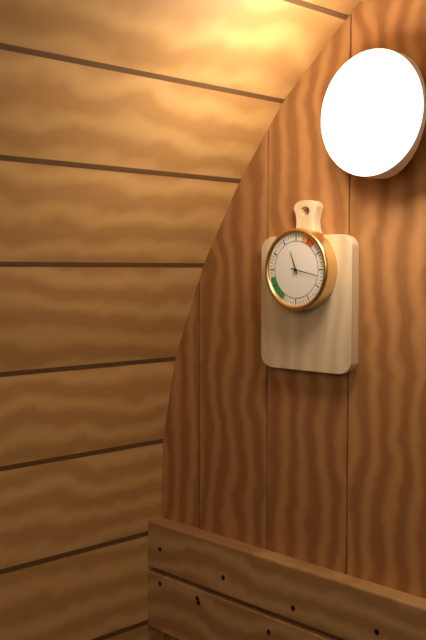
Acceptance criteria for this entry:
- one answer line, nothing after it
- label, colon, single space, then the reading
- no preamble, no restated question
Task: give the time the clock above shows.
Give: 11:17
